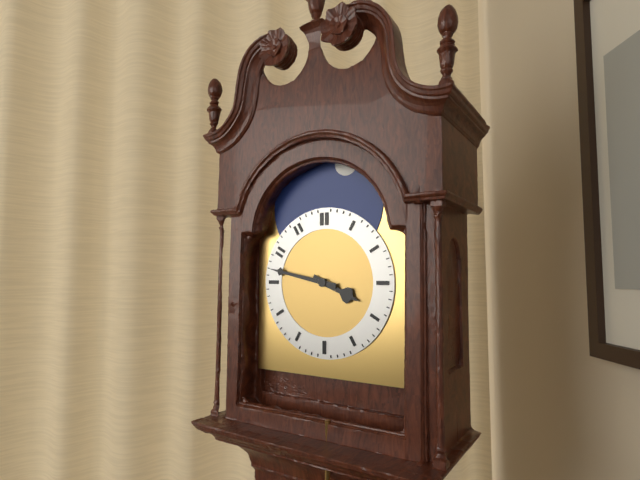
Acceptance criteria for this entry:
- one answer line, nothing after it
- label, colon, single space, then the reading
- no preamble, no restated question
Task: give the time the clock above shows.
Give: 3:47
